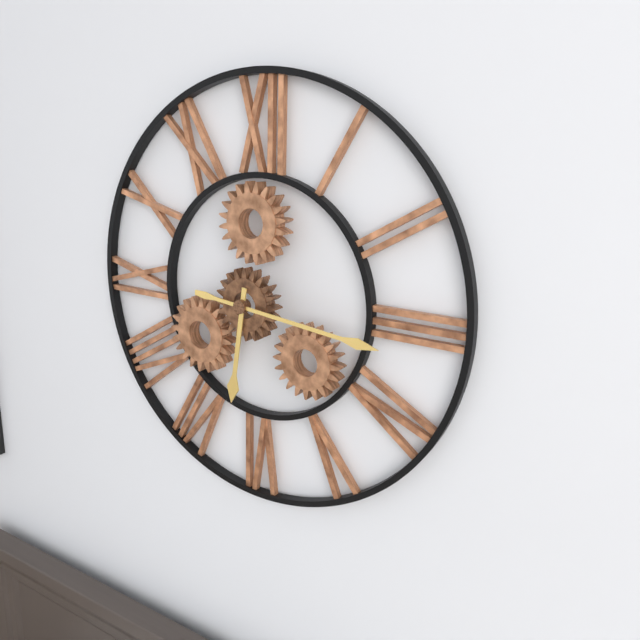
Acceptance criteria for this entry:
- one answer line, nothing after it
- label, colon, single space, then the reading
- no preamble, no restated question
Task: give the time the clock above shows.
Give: 6:16
